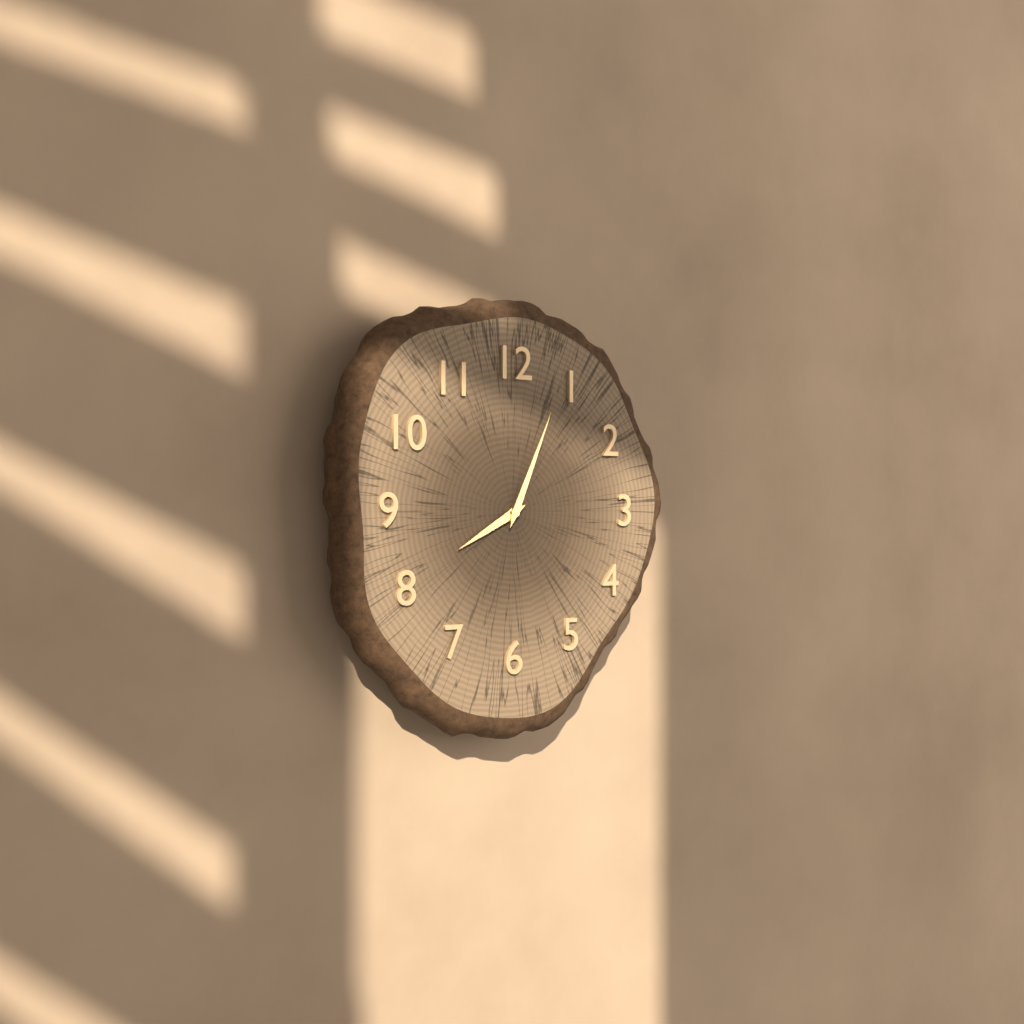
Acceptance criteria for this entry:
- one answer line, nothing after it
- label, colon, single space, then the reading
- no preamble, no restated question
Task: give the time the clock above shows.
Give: 8:04
